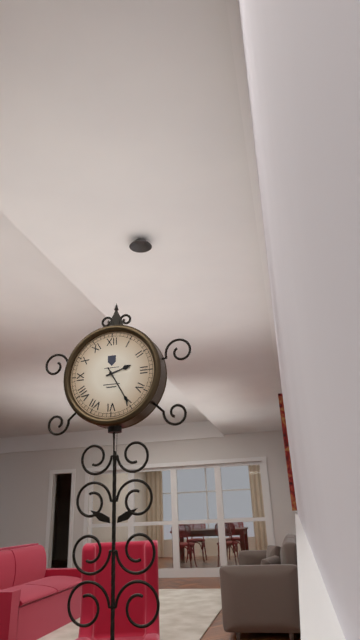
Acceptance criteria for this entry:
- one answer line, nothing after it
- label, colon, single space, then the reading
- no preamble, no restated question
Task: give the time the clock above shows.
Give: 2:25
